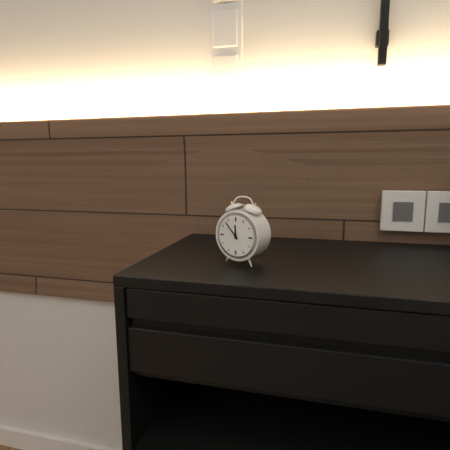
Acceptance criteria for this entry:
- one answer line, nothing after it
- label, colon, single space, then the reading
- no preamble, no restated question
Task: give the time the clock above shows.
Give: 11:53
